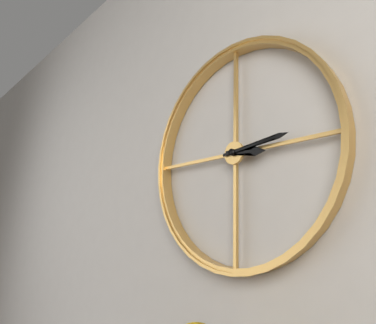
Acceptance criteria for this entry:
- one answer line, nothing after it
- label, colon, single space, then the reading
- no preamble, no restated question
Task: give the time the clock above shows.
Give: 3:14
